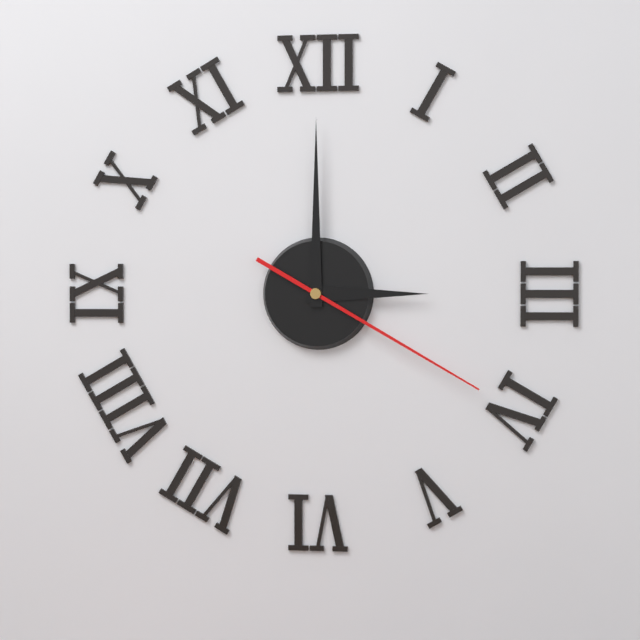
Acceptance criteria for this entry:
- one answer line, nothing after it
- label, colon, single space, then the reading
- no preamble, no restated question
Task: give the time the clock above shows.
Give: 3:00:20
